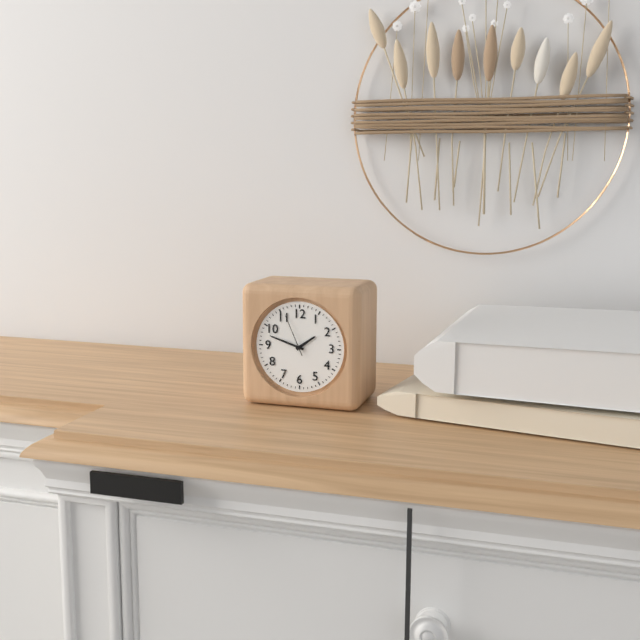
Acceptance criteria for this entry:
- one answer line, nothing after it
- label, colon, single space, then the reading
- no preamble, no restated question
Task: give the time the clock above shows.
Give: 1:48
